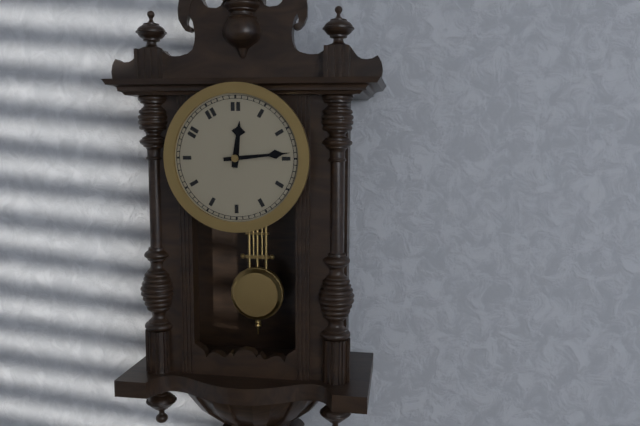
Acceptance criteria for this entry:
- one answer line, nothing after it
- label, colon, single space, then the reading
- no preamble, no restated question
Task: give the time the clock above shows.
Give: 12:14
